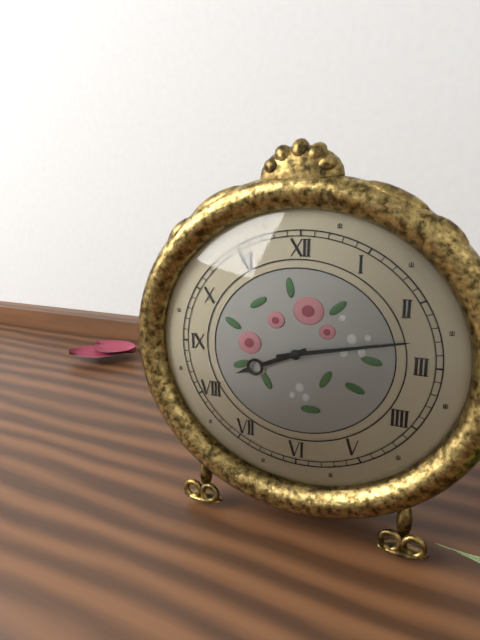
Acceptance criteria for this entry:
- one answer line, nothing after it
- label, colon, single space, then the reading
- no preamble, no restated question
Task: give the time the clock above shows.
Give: 8:13
